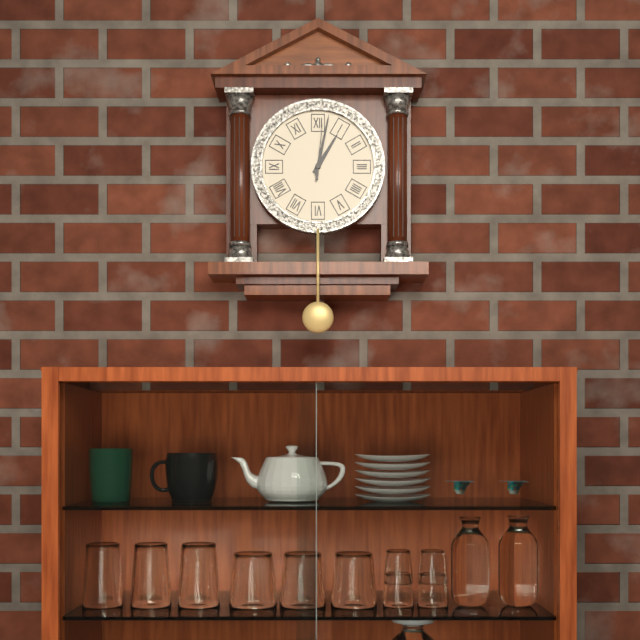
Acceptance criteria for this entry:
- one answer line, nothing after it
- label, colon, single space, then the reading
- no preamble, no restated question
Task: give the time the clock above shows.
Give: 1:02:01
